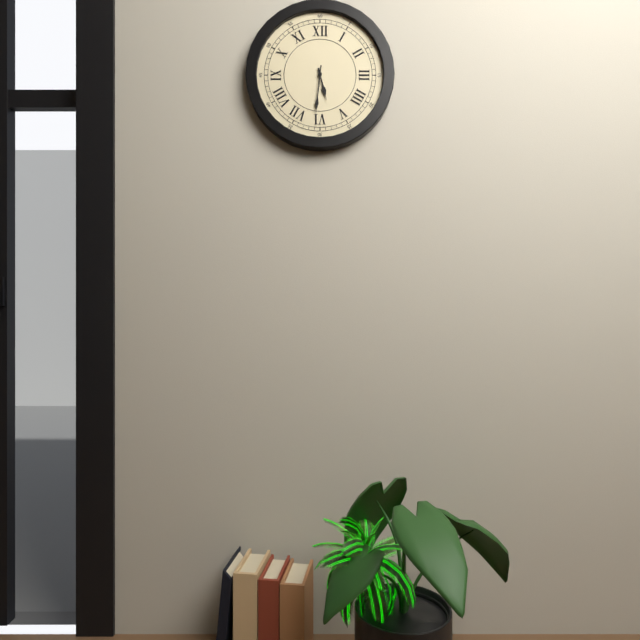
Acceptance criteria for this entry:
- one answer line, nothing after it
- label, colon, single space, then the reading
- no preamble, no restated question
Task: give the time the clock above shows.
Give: 5:31
